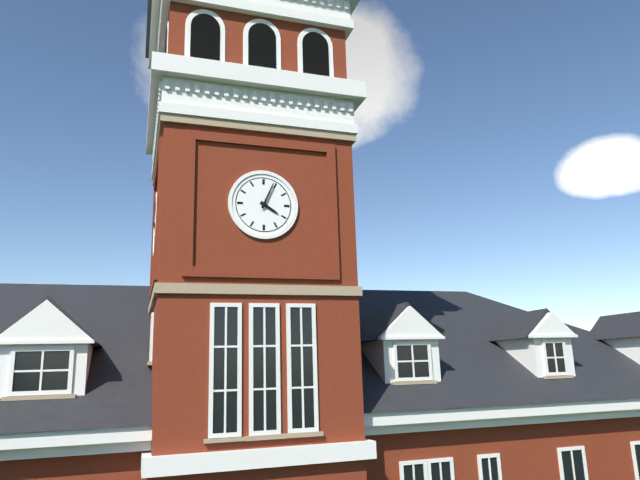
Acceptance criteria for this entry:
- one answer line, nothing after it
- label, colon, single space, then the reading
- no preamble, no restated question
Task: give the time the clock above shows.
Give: 4:04
